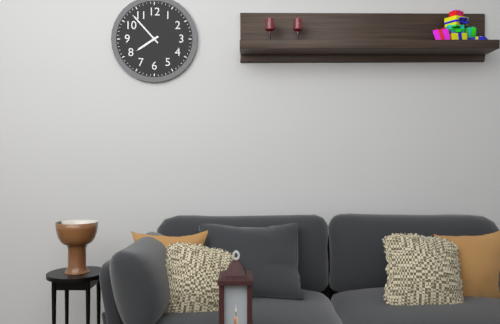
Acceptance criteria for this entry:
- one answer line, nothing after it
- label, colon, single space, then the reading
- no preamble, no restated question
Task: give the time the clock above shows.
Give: 7:53
